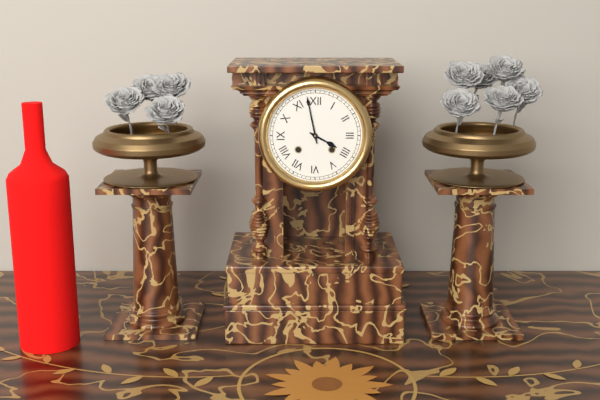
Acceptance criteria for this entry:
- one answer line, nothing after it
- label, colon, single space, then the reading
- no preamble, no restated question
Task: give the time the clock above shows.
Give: 3:58
